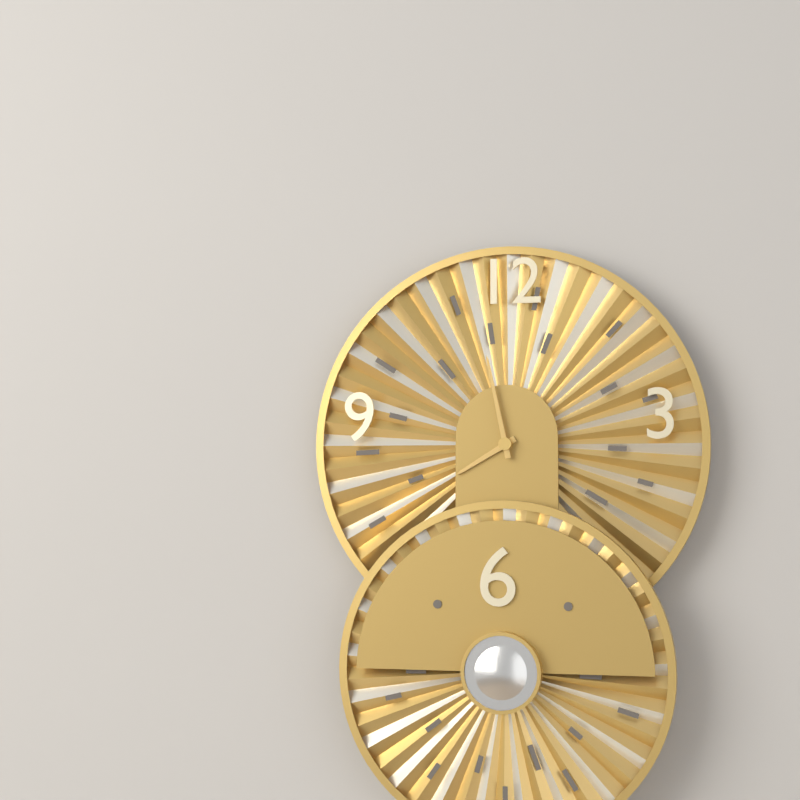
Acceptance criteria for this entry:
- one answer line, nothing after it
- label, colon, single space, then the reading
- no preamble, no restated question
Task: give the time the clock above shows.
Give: 7:58
